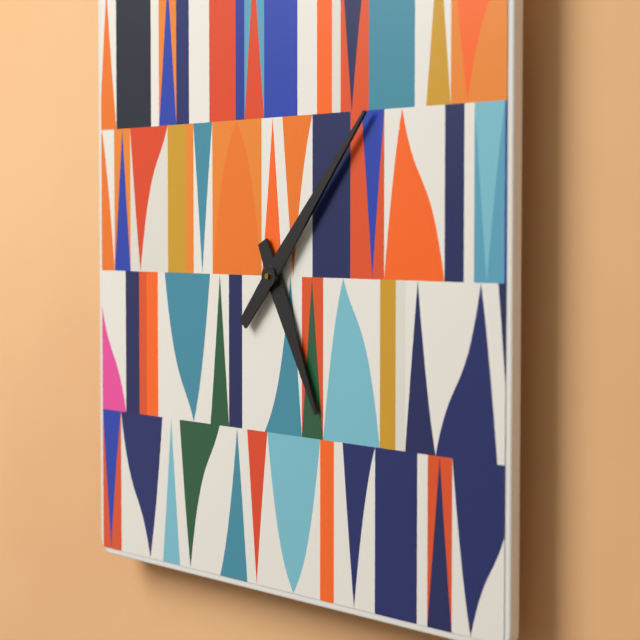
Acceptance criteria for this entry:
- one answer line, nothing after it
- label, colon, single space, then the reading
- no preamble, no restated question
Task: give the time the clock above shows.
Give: 5:07
